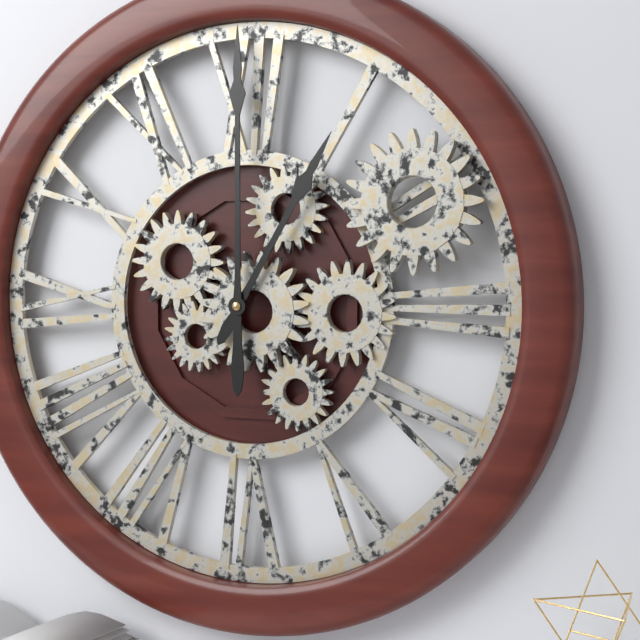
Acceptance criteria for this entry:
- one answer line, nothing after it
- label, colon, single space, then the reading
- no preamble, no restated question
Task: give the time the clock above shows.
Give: 1:00
